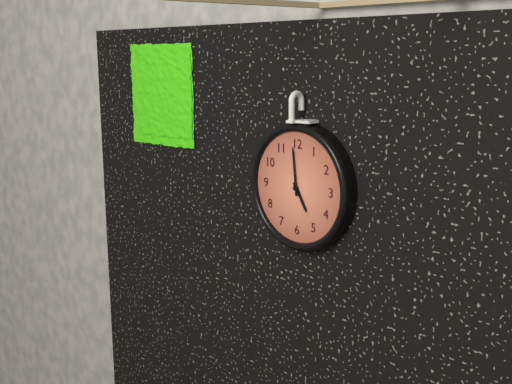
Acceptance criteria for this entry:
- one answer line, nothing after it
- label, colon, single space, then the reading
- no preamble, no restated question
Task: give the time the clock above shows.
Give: 4:59
